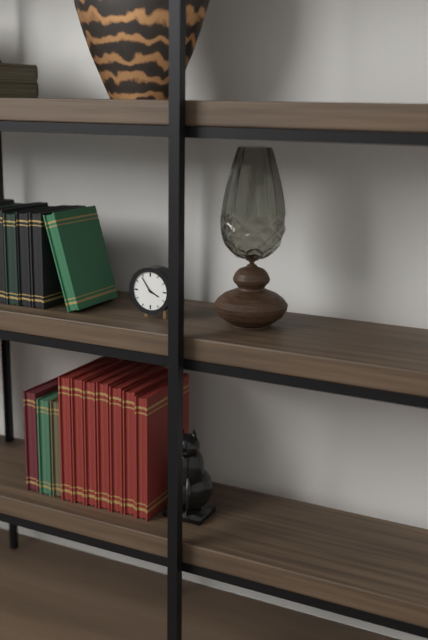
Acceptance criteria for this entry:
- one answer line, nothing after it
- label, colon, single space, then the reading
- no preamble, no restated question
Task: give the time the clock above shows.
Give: 3:54
